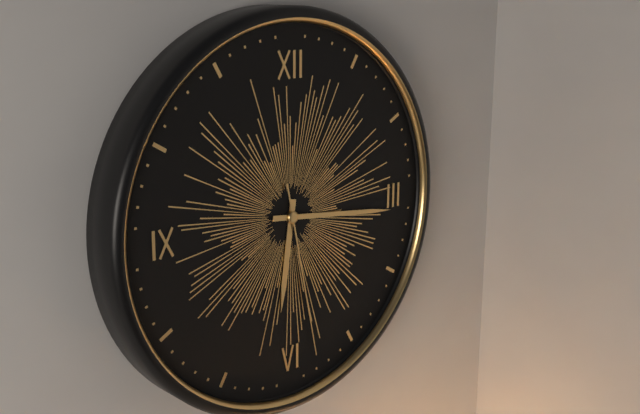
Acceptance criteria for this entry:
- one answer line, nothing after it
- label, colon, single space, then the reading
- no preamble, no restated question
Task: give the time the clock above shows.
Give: 6:16:28
